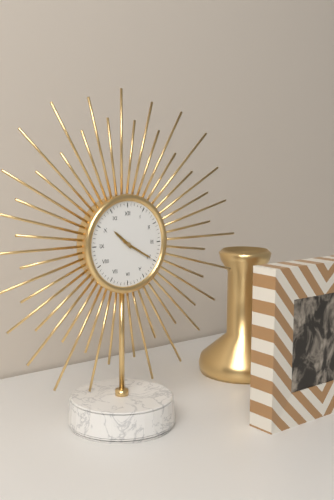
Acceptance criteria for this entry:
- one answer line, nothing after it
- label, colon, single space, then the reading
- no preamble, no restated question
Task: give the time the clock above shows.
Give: 10:20
